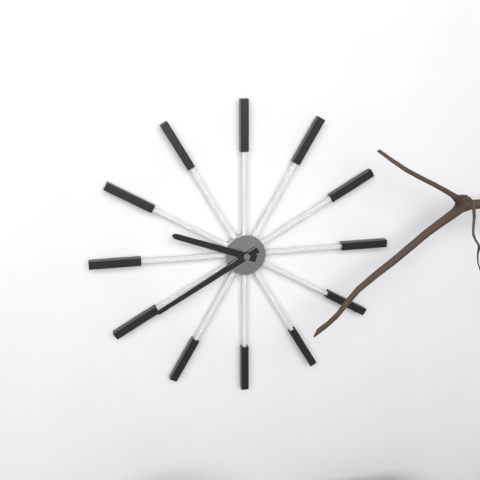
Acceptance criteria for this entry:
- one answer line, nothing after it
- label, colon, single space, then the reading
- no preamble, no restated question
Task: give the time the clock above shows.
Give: 9:40
